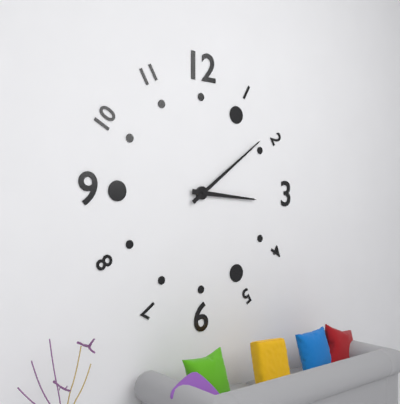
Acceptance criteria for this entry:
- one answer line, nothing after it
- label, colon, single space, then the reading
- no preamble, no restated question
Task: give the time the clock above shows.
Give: 3:09
